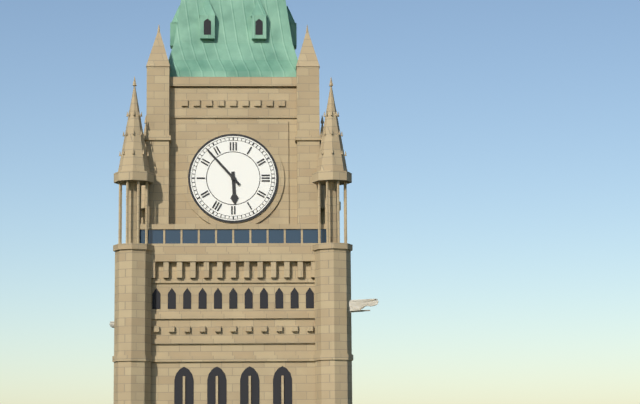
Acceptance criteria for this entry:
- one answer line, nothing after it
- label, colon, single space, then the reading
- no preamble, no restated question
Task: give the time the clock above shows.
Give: 5:53
